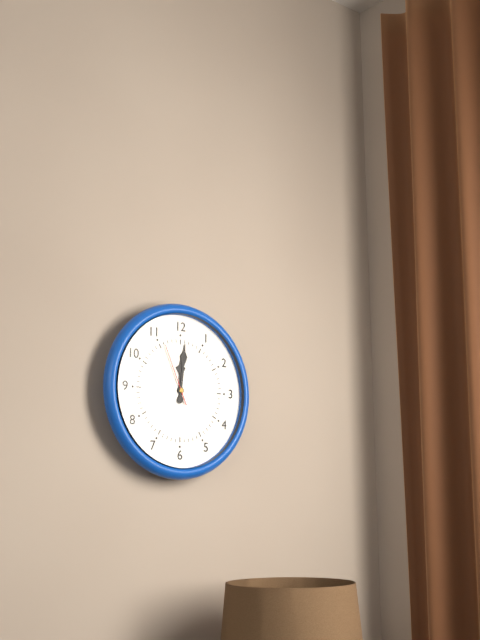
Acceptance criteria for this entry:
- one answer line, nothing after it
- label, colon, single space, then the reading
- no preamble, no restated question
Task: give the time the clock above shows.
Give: 12:01:56
